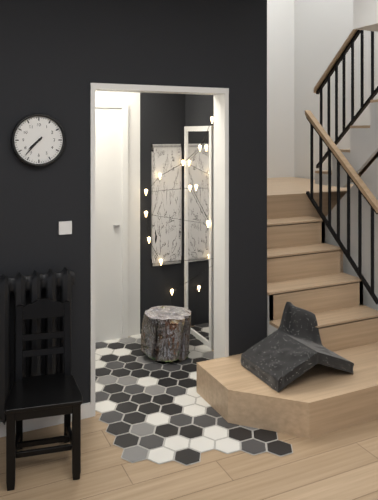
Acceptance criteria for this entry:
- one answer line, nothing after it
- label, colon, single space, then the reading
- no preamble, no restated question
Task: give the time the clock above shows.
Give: 7:37
